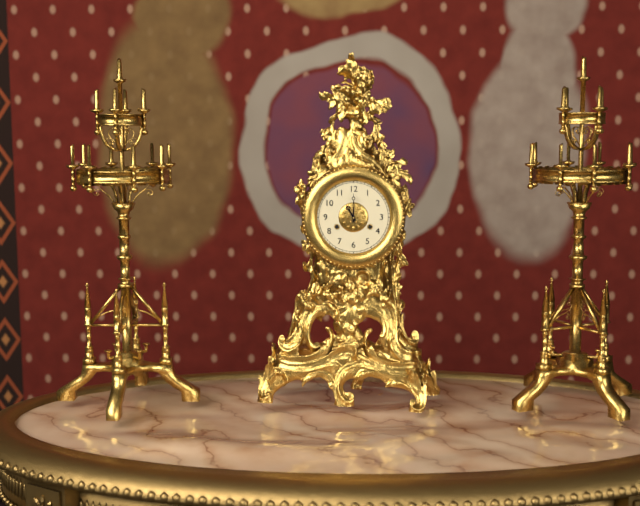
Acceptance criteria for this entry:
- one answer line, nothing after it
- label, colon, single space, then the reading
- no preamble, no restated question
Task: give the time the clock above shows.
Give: 11:00
